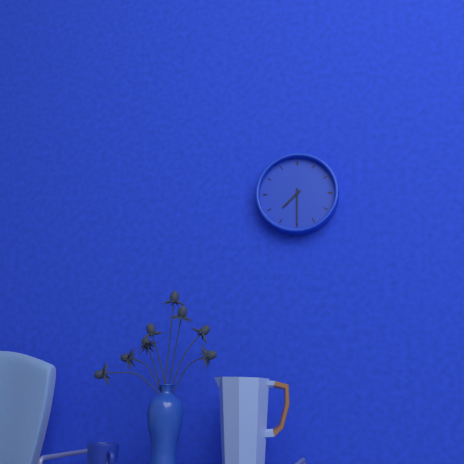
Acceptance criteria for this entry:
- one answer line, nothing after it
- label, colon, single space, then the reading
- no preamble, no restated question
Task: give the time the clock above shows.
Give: 7:30
